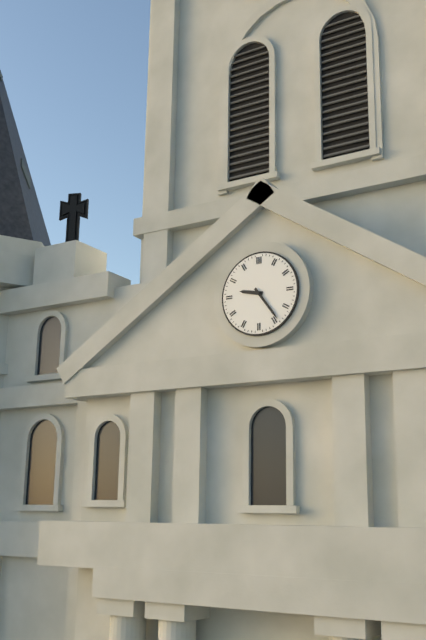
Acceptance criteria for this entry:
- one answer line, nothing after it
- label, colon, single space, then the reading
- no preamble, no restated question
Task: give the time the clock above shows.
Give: 9:24
